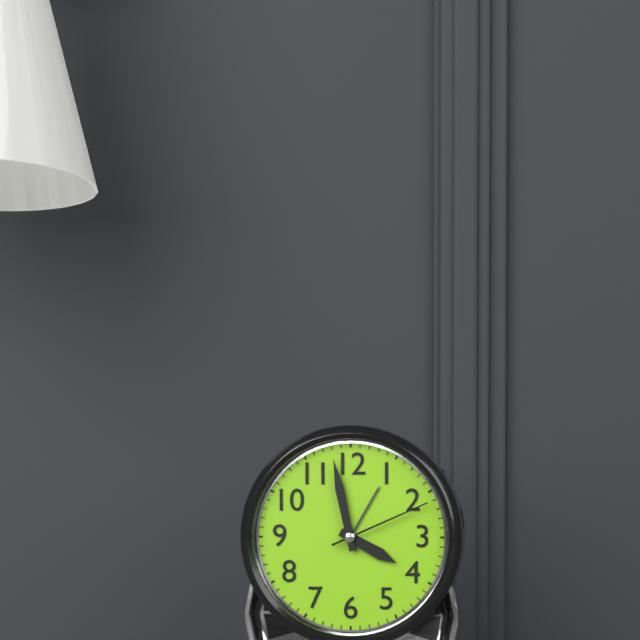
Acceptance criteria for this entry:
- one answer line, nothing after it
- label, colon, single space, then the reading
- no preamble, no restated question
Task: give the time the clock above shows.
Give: 3:58:11
